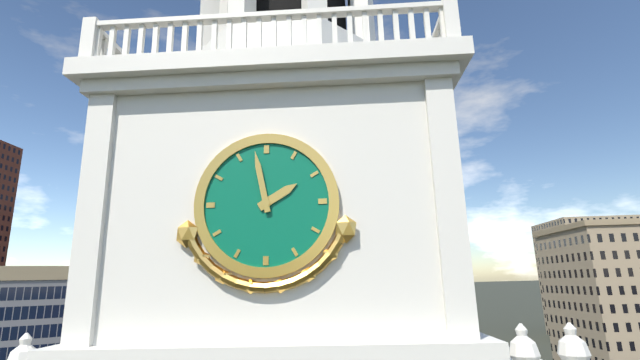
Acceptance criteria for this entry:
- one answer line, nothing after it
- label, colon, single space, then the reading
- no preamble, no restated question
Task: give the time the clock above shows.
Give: 1:58
